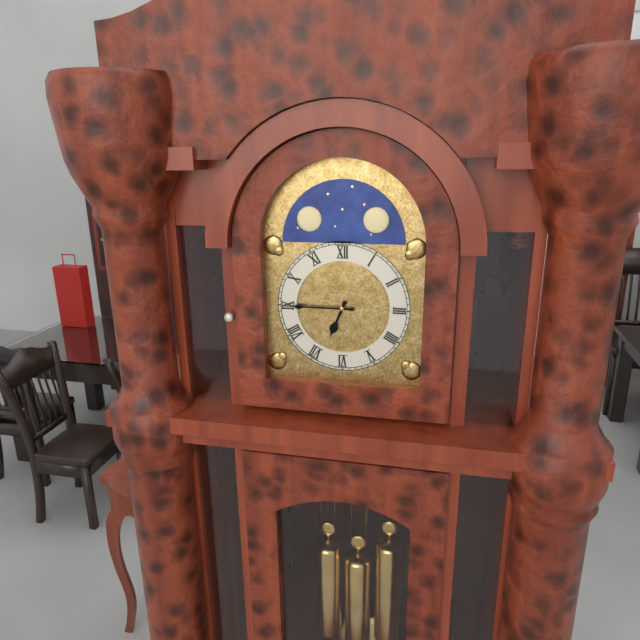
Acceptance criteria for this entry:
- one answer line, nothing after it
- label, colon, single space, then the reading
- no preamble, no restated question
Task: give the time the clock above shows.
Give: 6:45
